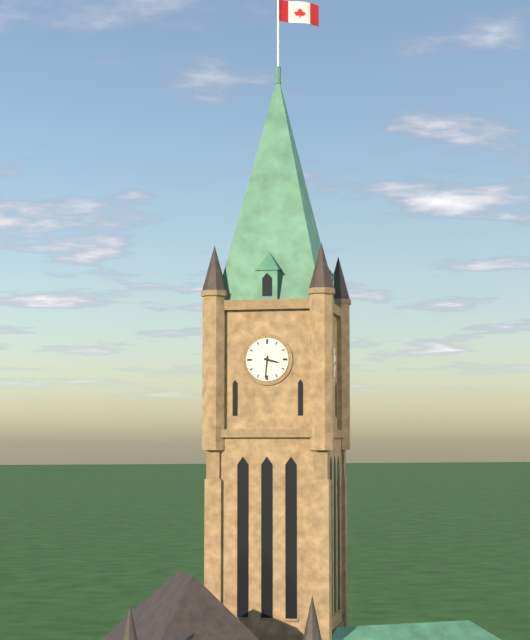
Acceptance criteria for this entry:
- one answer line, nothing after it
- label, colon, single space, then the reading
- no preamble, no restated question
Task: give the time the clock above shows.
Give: 3:31
